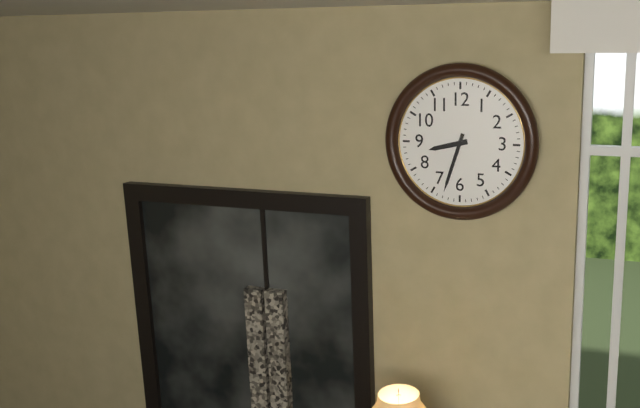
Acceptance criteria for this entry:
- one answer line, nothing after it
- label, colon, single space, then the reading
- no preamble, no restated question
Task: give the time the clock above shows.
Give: 8:33
